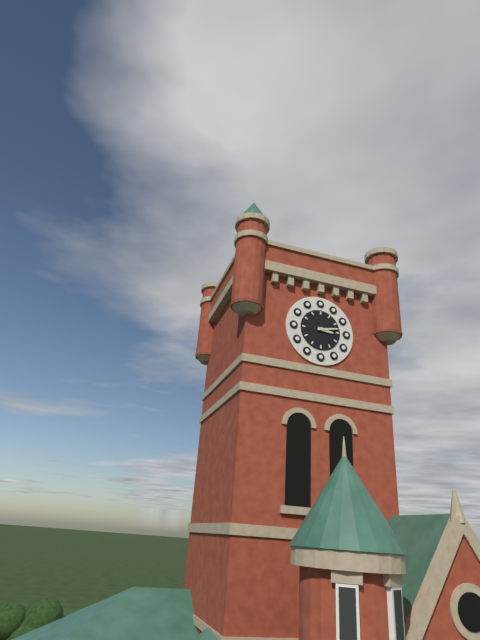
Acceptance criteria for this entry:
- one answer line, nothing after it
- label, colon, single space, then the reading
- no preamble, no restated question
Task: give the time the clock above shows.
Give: 3:13
